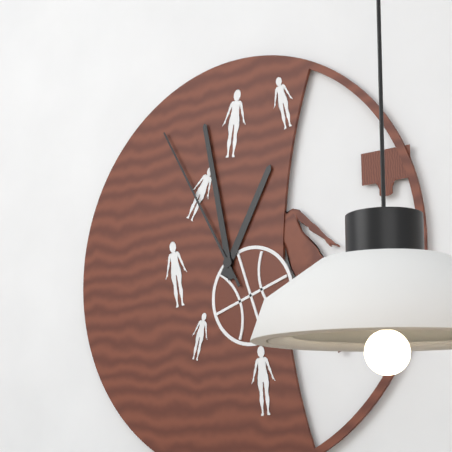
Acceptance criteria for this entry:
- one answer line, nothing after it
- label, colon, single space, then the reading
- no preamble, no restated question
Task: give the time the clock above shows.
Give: 12:58:55
